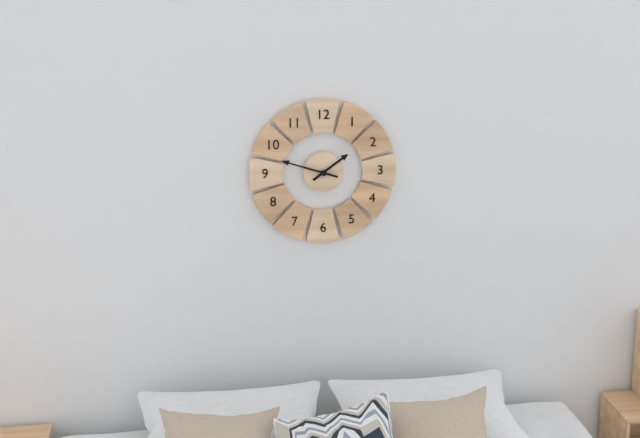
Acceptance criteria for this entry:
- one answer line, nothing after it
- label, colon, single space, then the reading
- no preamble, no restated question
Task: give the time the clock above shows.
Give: 1:48
